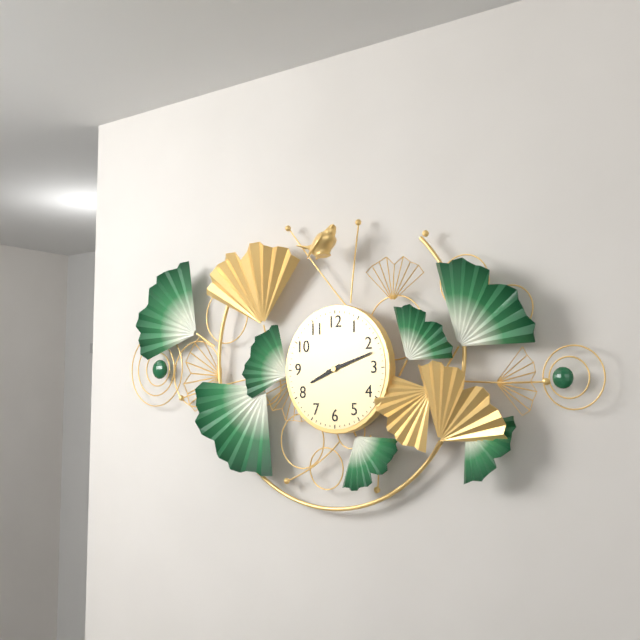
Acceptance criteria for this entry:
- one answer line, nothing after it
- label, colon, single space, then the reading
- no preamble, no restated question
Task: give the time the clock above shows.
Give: 8:12
